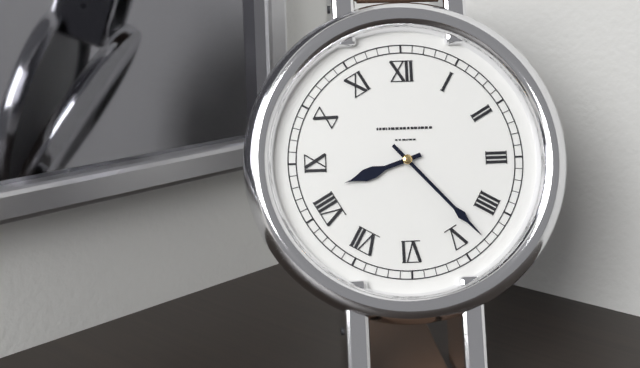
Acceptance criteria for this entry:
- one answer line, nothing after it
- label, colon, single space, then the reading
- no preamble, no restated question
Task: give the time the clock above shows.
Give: 8:23
